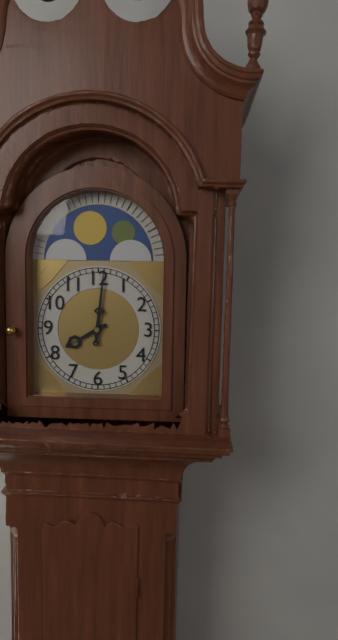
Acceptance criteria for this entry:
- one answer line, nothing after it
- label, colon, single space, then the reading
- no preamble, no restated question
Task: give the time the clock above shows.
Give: 8:01
